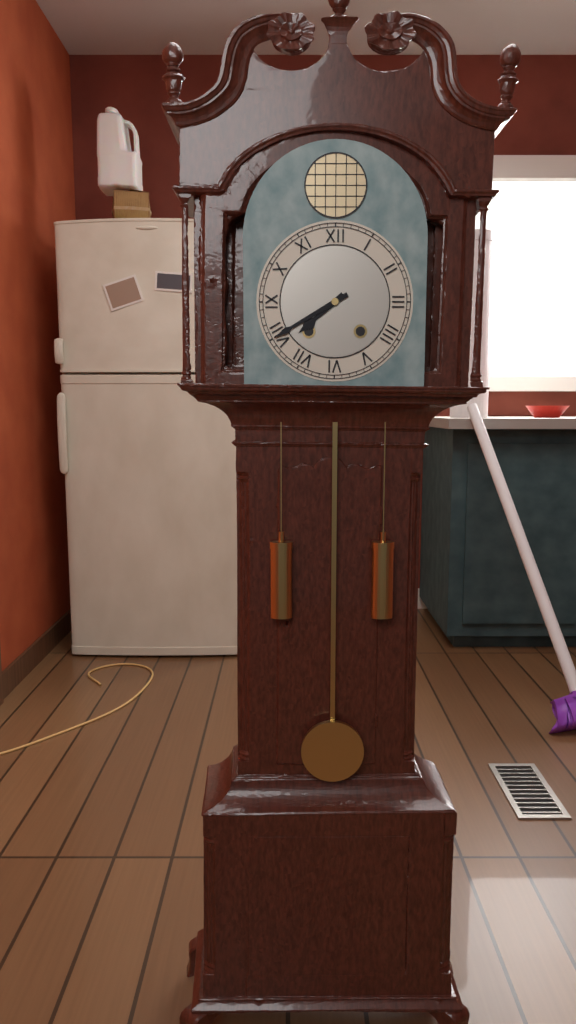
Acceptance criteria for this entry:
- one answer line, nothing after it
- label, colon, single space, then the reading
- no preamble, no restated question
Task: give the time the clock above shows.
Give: 7:40
